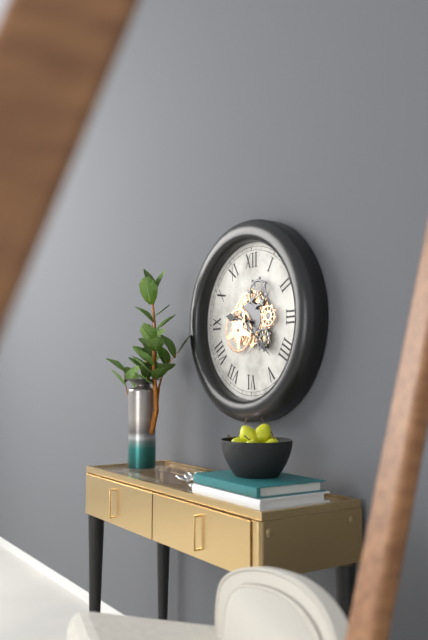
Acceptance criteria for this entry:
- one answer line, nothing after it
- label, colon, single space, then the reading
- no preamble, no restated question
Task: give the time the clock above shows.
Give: 9:22
